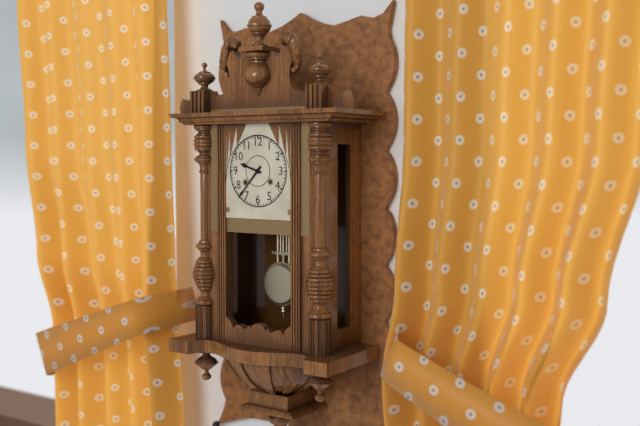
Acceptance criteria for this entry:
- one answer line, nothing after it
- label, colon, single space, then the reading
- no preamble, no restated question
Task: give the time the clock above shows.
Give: 9:37
